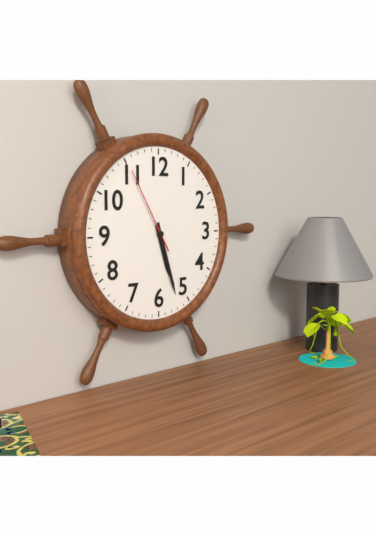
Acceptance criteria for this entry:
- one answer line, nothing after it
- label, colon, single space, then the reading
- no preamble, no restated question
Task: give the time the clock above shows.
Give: 5:27:55
